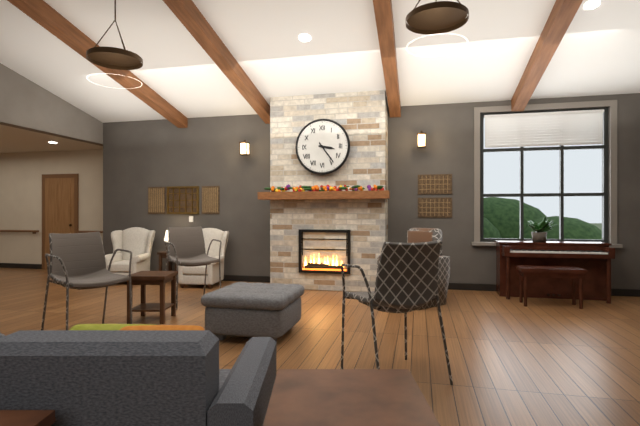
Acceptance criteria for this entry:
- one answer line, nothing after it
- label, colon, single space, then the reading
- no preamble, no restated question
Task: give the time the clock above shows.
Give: 3:24
